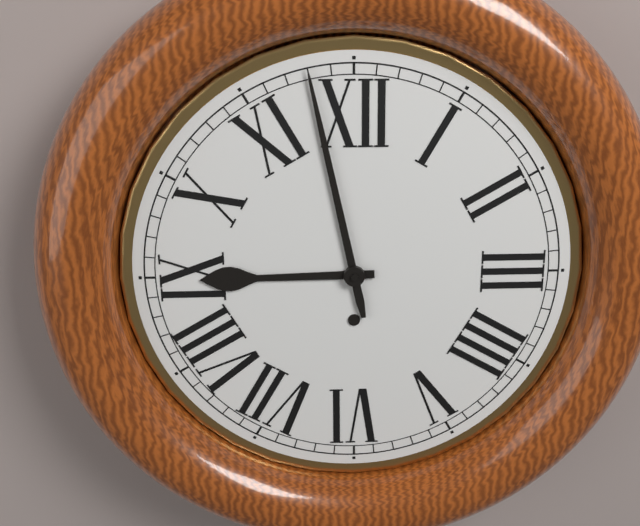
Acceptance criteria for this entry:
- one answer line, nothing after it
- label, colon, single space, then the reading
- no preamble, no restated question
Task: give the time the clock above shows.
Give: 8:58
